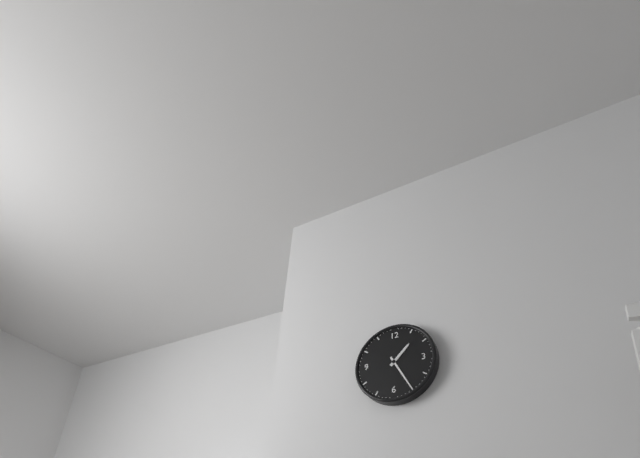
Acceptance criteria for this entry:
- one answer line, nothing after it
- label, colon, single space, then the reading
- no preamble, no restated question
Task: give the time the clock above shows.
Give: 1:25
